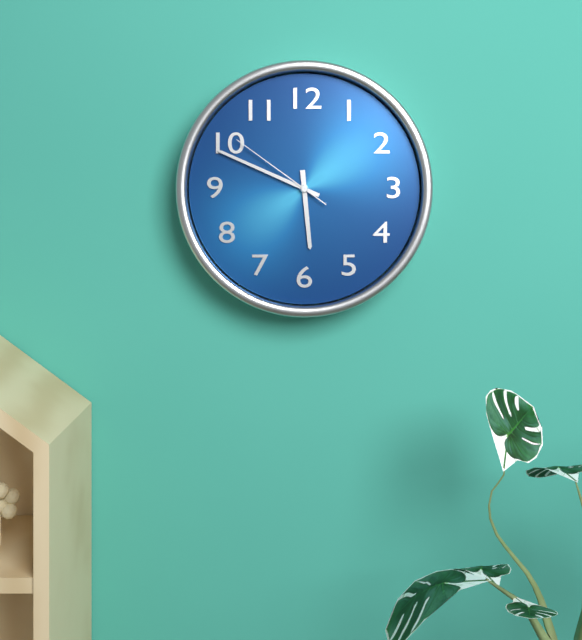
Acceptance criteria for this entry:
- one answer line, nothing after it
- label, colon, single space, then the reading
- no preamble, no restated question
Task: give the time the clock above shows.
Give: 5:49:51
